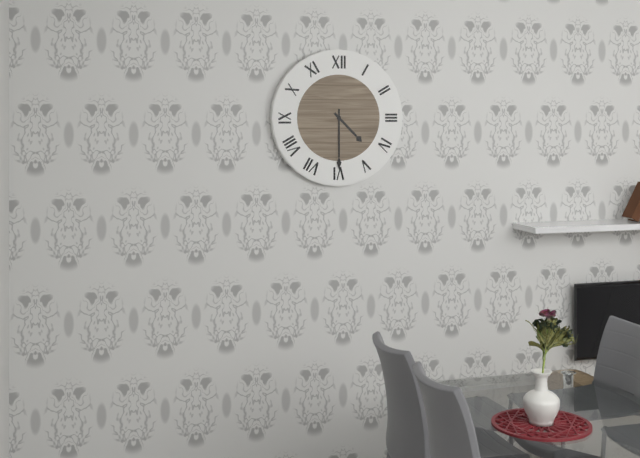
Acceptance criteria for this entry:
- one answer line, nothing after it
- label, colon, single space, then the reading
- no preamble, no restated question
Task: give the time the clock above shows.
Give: 4:30
